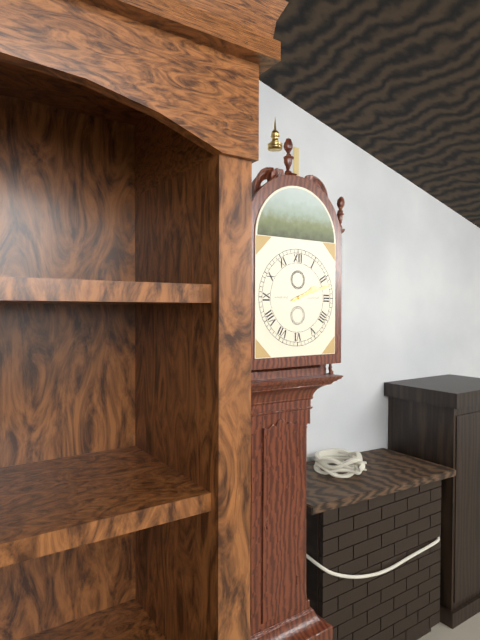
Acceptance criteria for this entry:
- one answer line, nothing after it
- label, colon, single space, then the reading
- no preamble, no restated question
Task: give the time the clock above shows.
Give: 2:12
